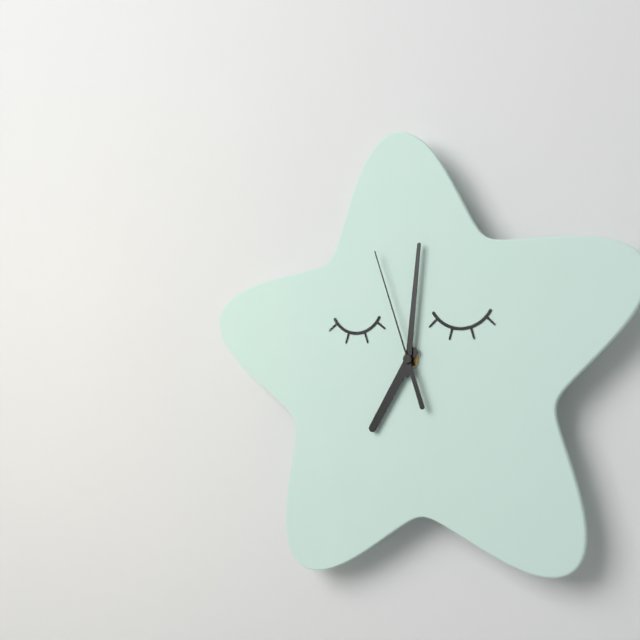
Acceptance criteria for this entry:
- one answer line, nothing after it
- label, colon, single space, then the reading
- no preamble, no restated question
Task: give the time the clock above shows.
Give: 7:01:57
